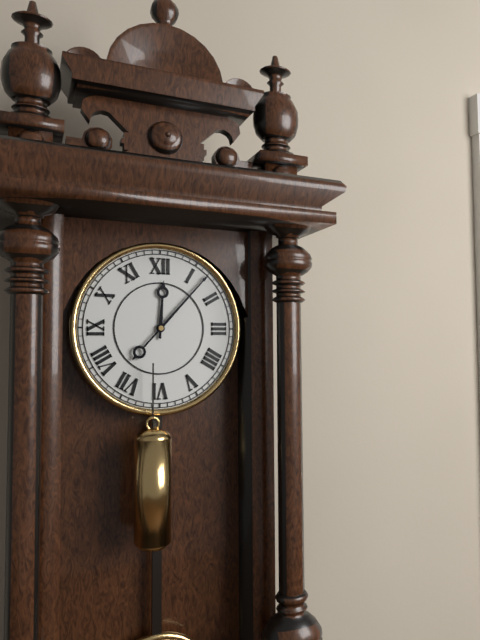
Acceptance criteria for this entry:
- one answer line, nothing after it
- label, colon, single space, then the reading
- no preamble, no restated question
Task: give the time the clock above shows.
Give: 12:07
